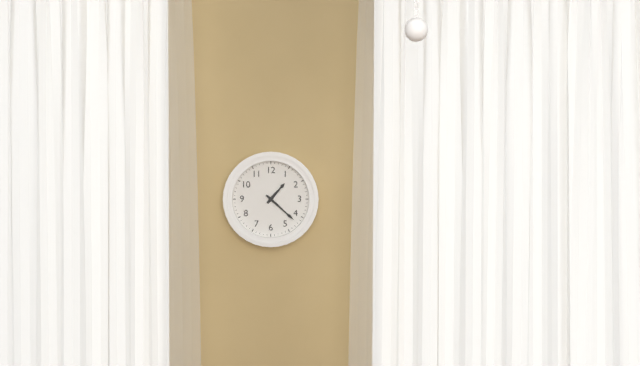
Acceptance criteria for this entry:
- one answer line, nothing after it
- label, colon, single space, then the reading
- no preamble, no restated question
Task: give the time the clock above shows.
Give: 1:22
